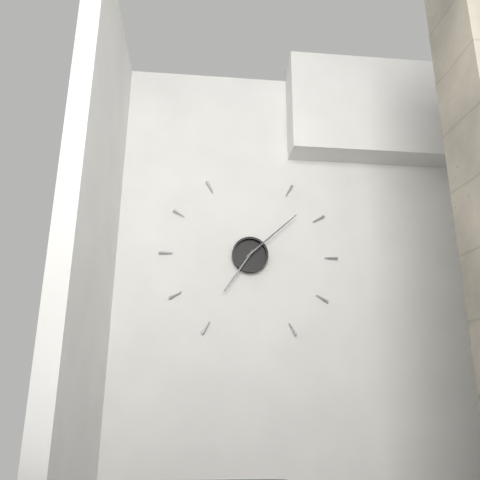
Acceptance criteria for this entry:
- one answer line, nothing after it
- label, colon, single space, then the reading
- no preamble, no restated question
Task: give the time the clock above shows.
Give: 7:08
